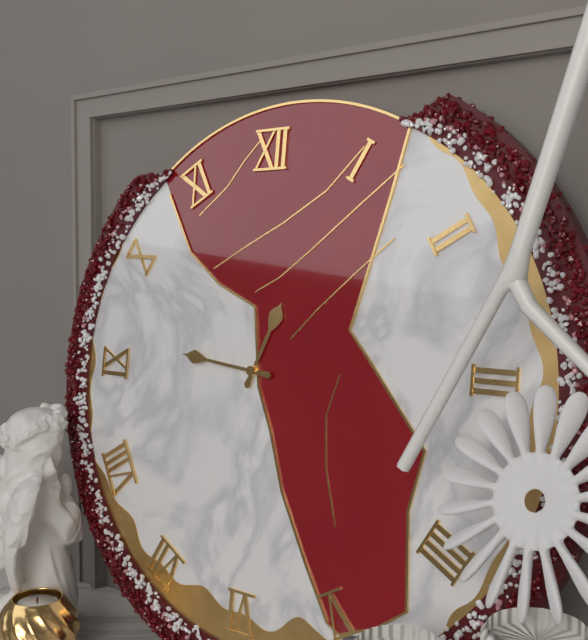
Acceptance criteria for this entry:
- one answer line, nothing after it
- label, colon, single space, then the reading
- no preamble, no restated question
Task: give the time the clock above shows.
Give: 12:46
